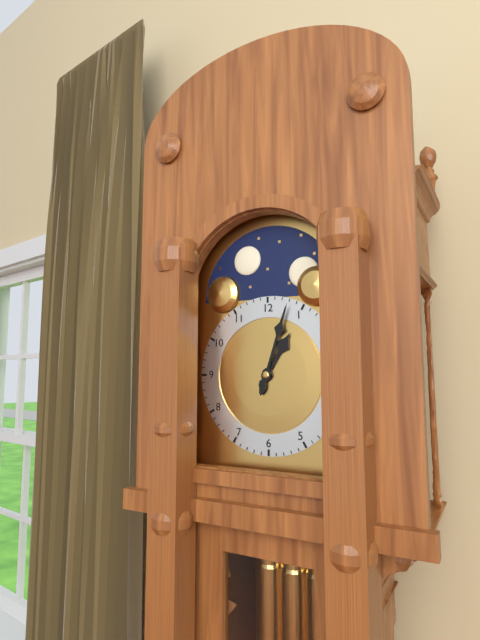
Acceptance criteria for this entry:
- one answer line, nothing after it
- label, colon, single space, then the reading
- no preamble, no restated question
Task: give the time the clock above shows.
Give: 1:03
